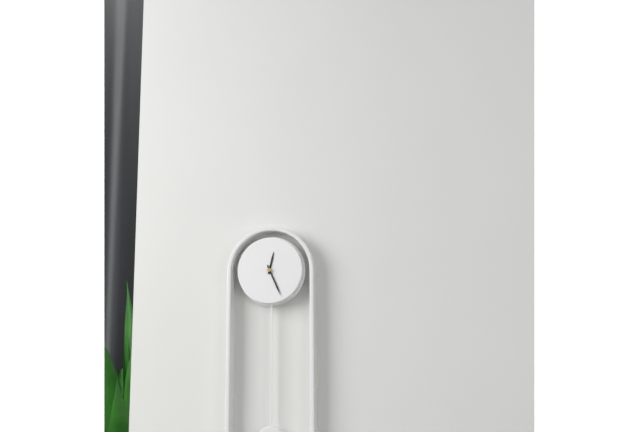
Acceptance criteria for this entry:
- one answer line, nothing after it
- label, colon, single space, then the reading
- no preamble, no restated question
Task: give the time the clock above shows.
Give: 12:26
